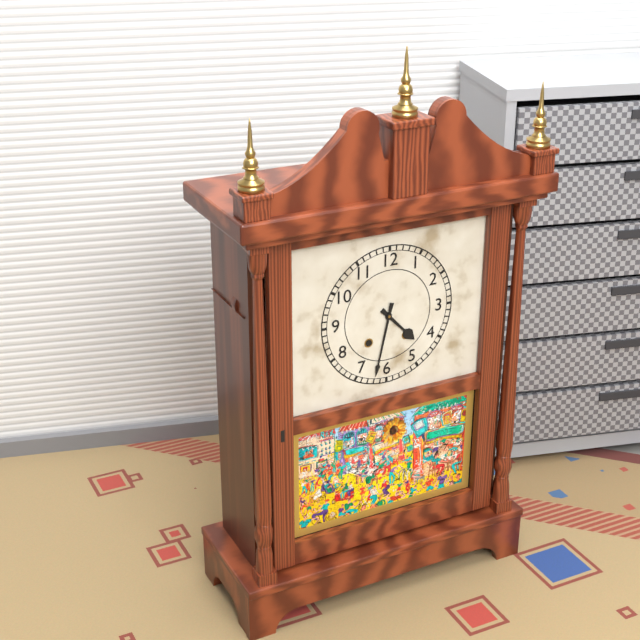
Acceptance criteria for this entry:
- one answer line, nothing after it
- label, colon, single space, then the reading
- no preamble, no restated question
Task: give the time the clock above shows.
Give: 4:32
